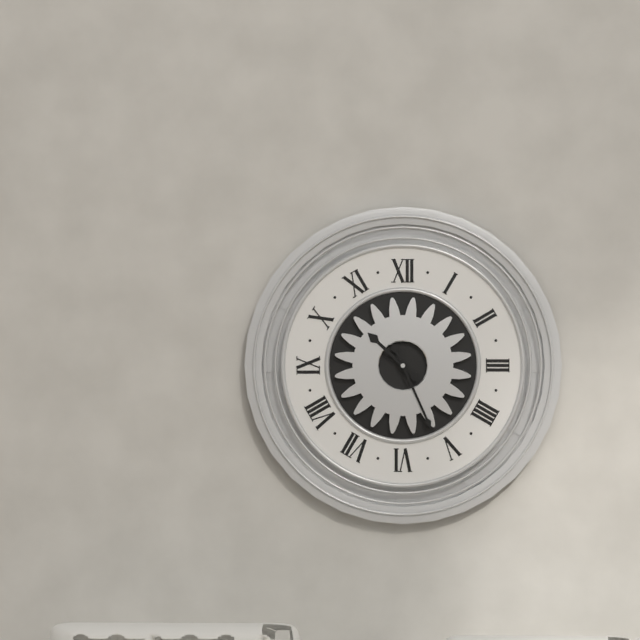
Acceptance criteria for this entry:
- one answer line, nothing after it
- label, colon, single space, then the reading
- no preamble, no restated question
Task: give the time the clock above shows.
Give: 10:26
